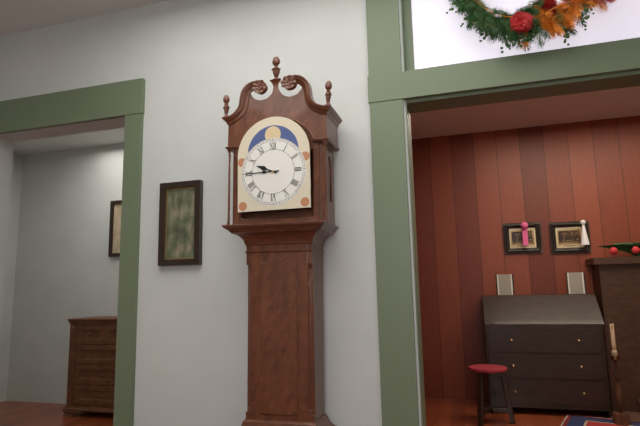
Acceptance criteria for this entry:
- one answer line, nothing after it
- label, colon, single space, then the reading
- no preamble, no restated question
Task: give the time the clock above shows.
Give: 9:45
